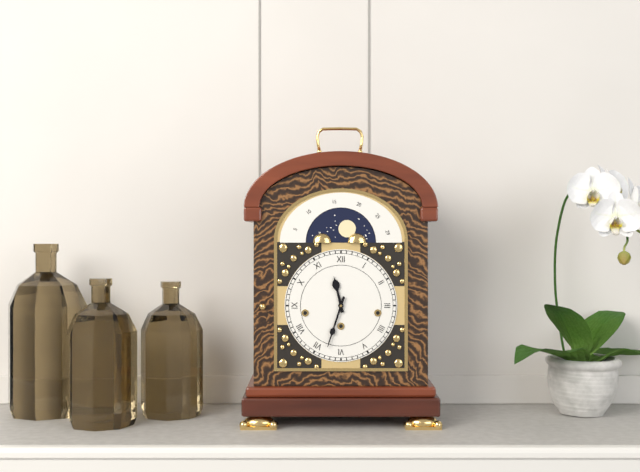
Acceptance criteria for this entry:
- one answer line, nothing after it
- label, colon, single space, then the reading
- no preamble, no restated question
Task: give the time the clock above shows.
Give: 11:33
